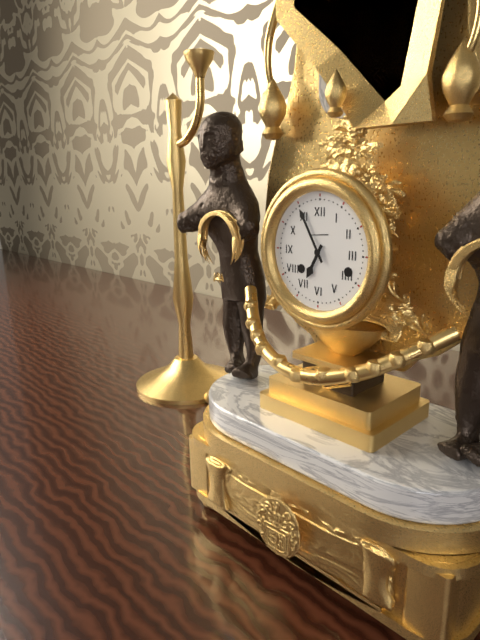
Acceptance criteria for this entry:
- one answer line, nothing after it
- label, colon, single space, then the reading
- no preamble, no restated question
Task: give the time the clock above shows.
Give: 6:55
